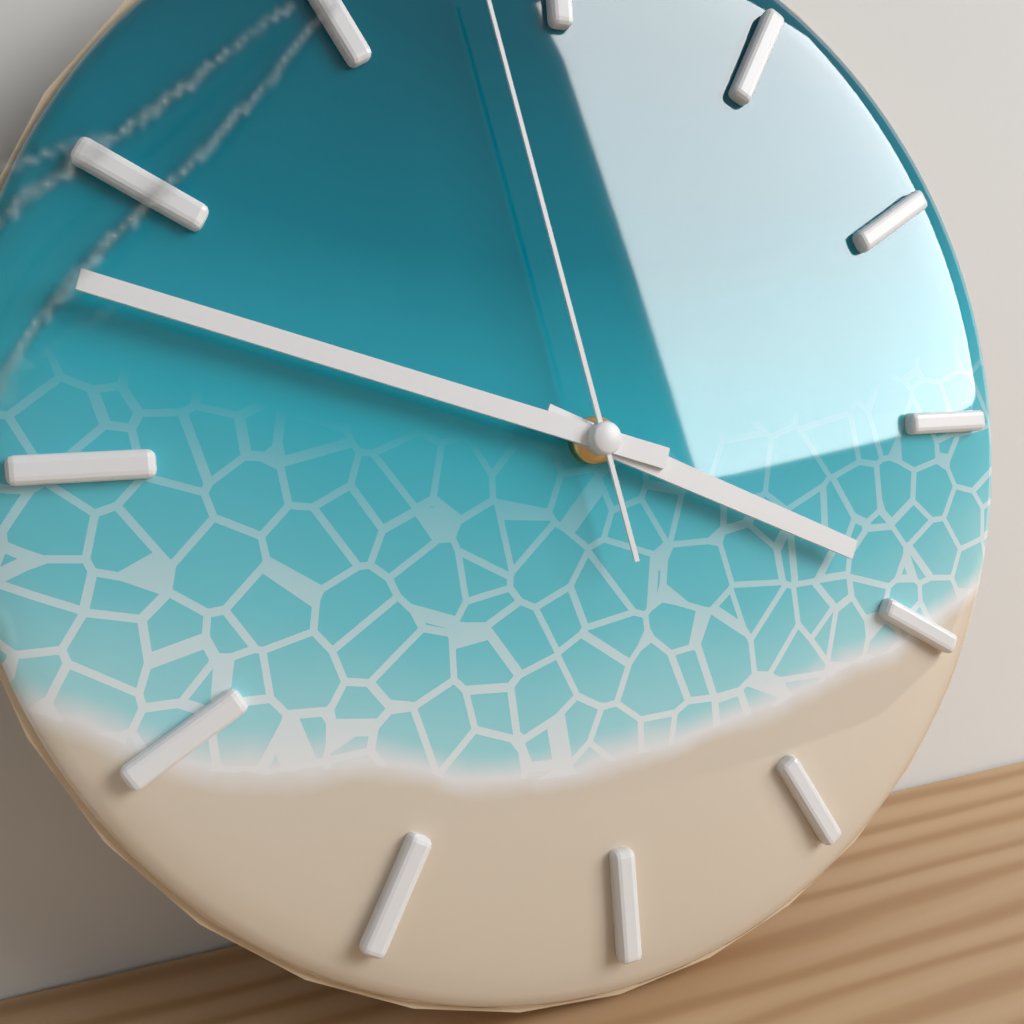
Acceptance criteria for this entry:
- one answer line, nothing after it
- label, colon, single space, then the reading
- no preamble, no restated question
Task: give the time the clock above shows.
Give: 3:48
